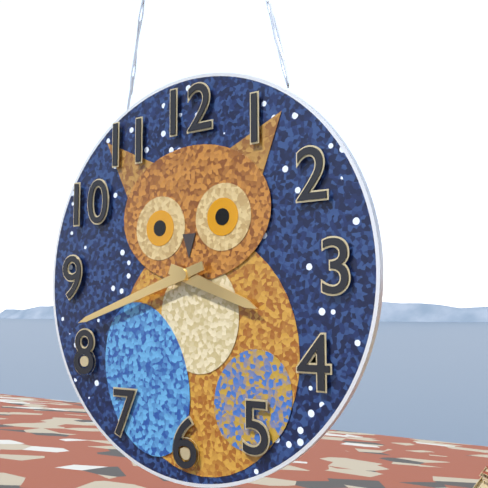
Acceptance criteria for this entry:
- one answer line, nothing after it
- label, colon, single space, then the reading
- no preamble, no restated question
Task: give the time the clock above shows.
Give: 3:42
